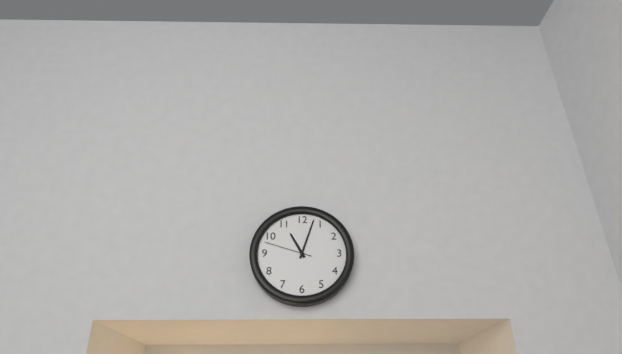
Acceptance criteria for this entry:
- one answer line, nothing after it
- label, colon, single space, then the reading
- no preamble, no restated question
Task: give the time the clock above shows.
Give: 11:03
